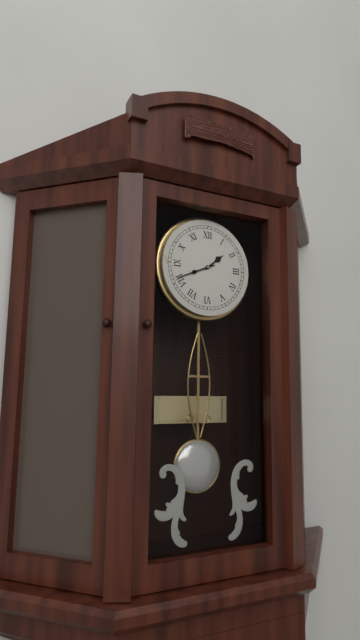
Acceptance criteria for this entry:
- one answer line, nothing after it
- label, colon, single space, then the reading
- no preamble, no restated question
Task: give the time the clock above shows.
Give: 1:41
